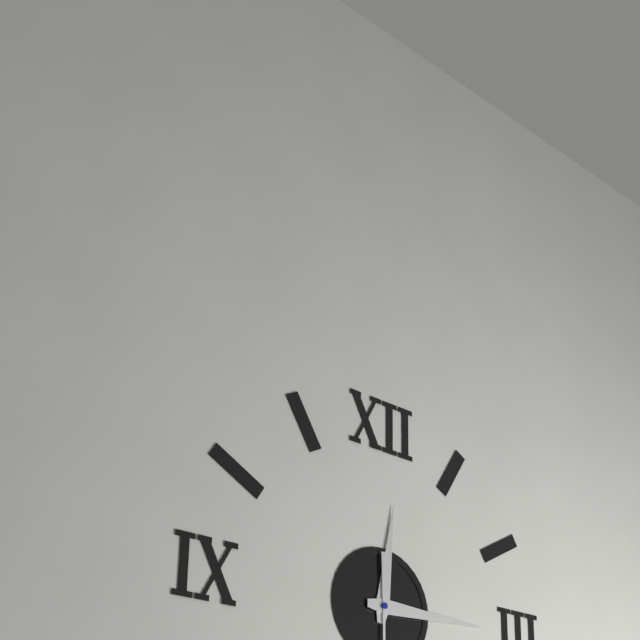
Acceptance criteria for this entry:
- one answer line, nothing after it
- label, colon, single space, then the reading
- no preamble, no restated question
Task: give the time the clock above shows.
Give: 12:15
